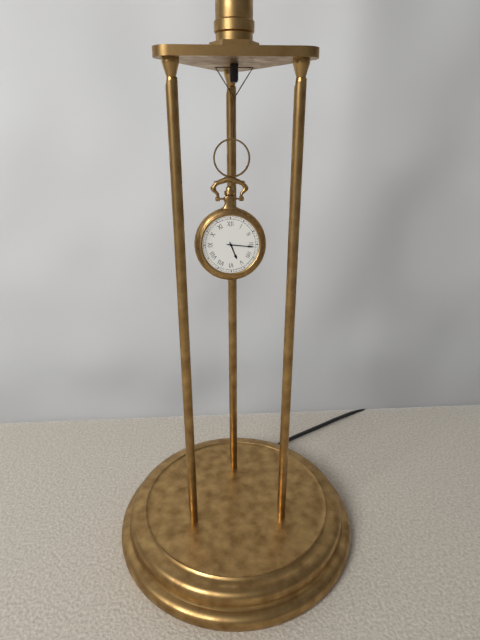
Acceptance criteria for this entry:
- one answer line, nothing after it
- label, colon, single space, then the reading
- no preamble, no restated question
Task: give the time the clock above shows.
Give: 5:16
